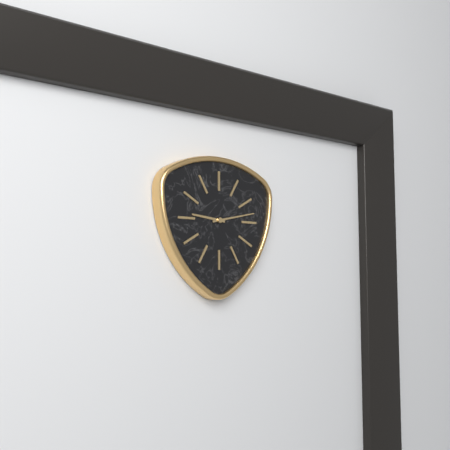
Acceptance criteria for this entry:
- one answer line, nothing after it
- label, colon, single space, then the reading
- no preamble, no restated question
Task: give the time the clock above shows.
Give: 9:13
